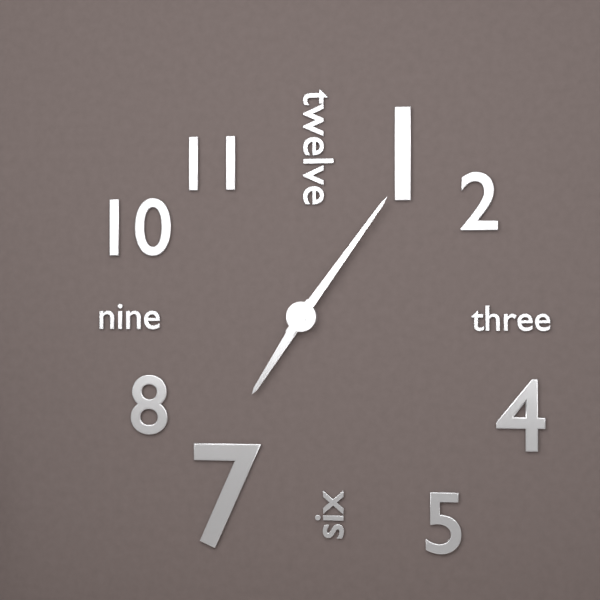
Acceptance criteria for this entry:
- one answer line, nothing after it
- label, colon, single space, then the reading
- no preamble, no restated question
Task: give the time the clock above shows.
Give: 7:06
